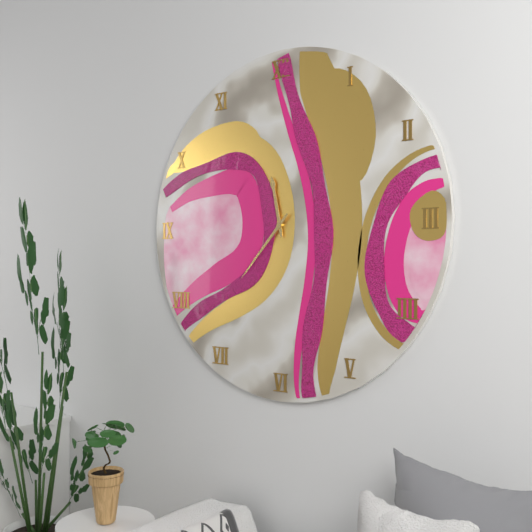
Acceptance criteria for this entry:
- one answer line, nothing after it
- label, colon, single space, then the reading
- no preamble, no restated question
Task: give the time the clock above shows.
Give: 11:37
